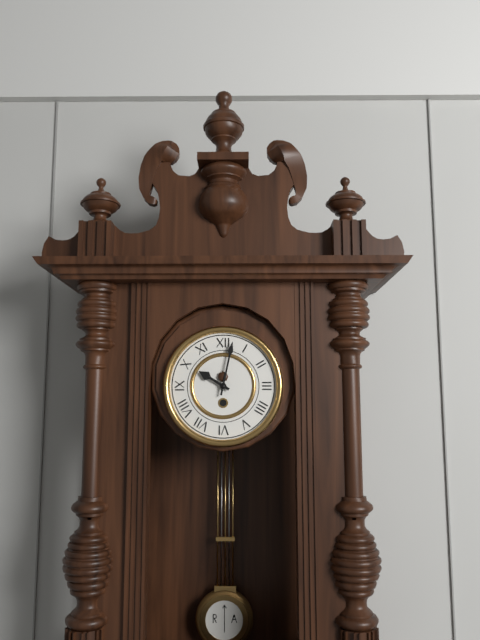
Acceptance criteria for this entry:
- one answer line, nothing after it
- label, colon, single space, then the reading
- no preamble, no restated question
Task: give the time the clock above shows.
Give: 10:02
